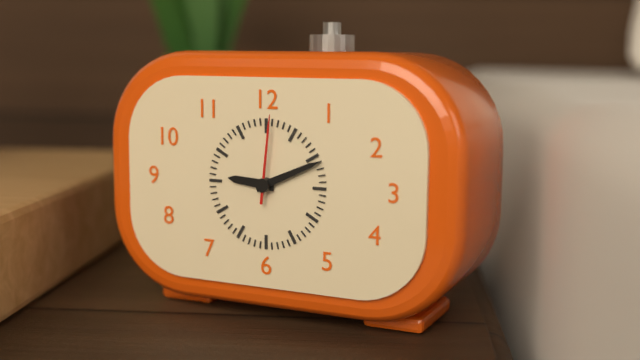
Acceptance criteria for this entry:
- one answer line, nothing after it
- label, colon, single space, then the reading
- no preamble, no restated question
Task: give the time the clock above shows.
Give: 9:11:01
